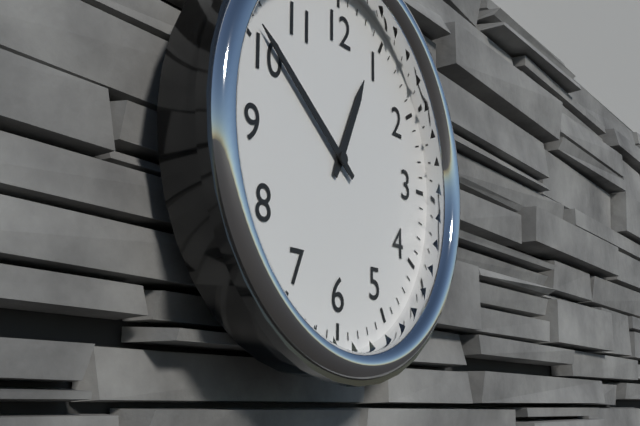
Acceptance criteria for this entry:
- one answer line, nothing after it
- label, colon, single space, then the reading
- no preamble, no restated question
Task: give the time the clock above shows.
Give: 12:51
